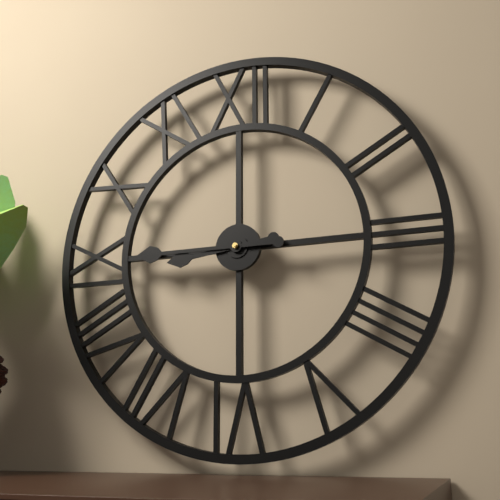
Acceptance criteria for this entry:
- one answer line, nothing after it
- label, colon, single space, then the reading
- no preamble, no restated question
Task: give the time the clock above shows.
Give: 8:45
